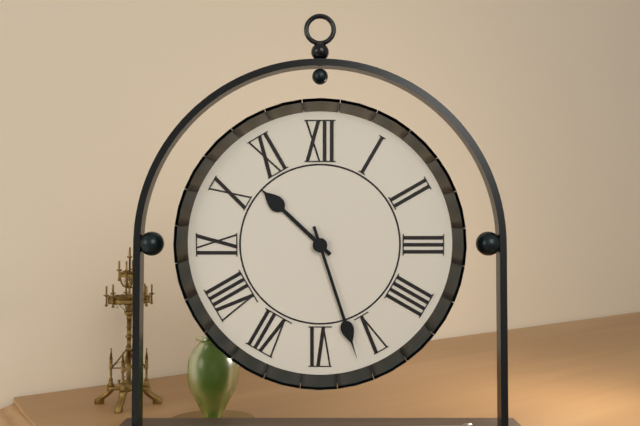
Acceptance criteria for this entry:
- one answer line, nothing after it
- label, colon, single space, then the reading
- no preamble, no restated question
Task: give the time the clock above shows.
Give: 10:27
